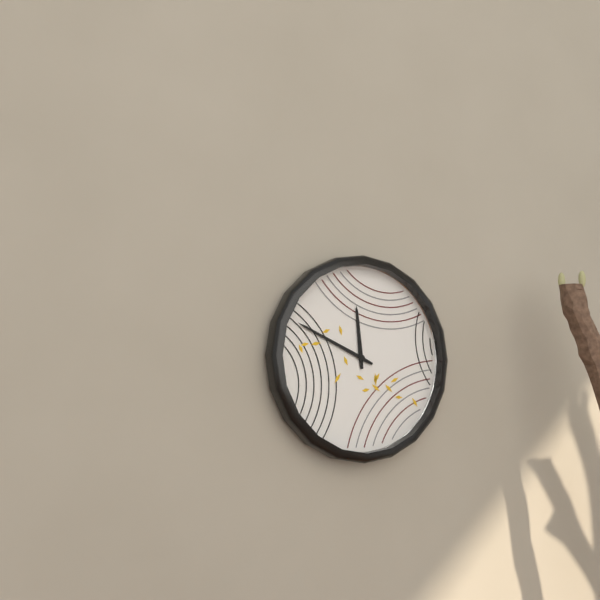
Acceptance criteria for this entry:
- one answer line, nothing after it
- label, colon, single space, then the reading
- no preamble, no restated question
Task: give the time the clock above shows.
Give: 11:49
